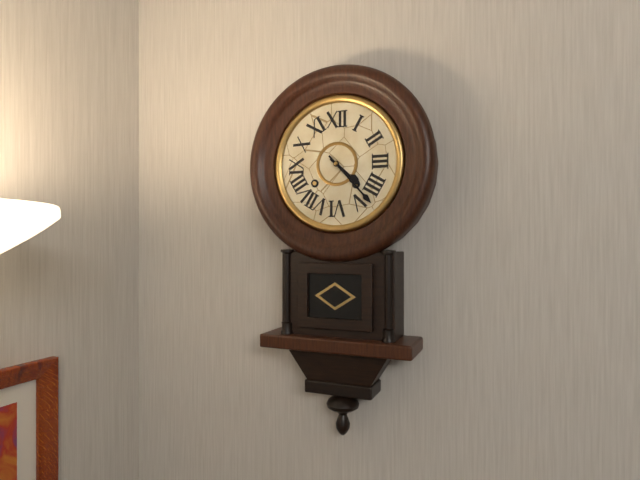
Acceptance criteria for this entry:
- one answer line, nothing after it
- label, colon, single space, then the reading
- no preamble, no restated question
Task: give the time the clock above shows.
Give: 4:23
